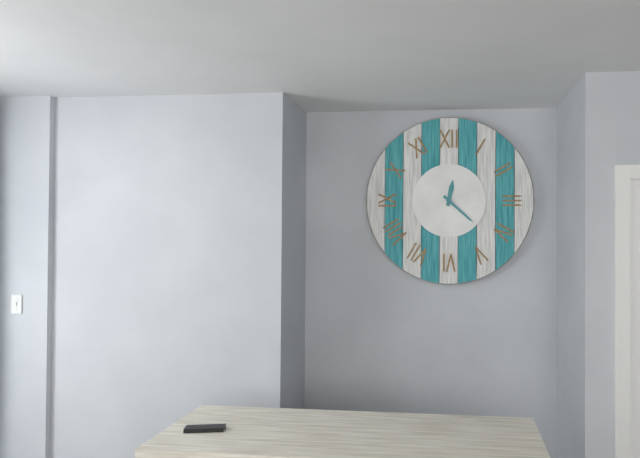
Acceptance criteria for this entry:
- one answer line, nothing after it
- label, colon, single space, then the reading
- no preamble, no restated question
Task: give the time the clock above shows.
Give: 12:22
